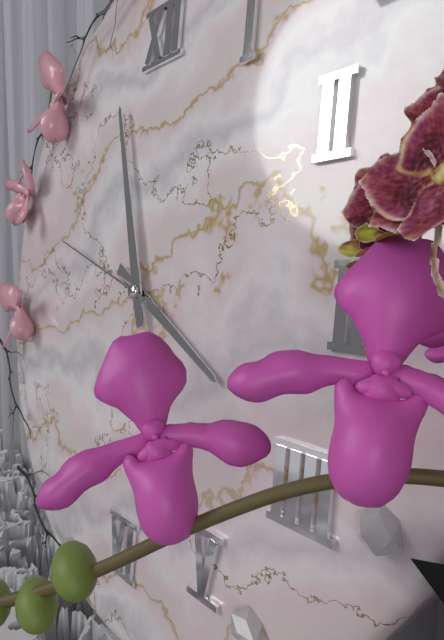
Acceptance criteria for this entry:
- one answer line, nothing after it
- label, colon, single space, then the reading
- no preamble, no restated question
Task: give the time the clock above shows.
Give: 3:57:48
